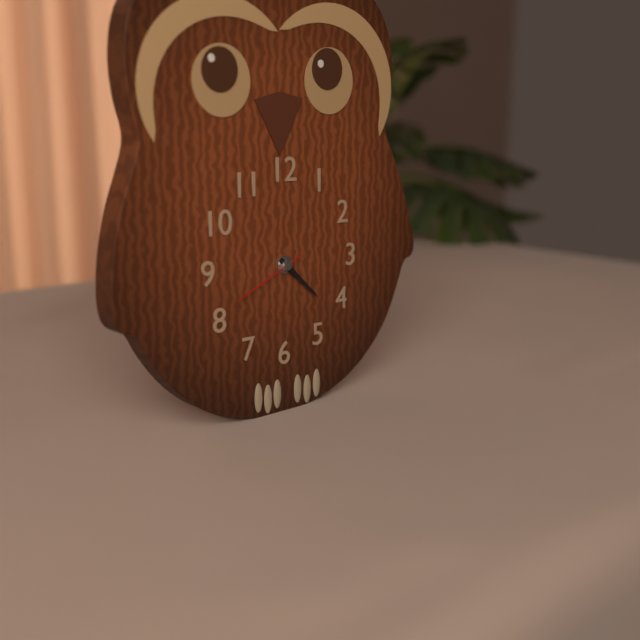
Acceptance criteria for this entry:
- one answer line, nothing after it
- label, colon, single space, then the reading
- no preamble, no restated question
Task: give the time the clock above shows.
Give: 4:22:41
